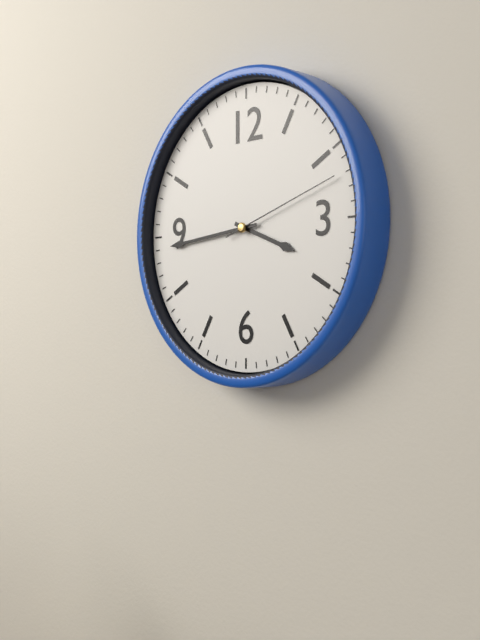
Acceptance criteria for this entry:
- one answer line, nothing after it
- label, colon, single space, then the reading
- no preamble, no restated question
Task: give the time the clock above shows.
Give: 3:44:12
